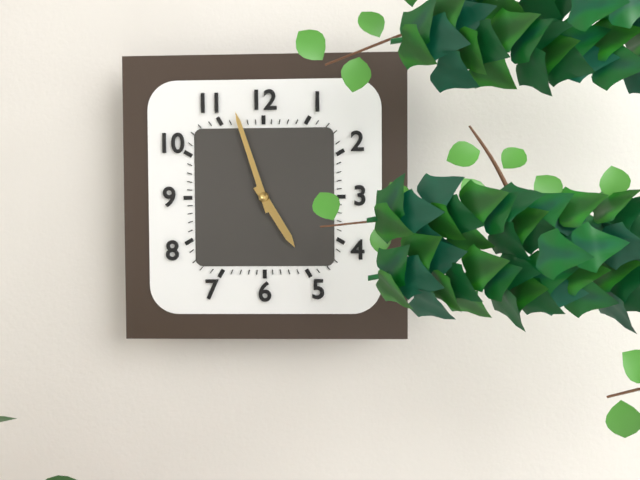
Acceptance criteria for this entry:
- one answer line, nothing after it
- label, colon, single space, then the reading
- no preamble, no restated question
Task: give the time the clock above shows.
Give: 4:57
